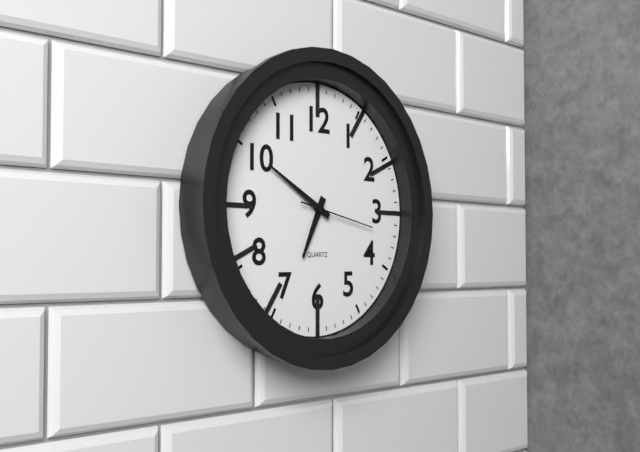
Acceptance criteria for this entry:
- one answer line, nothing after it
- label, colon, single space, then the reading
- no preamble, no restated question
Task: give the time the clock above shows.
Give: 6:50:17
